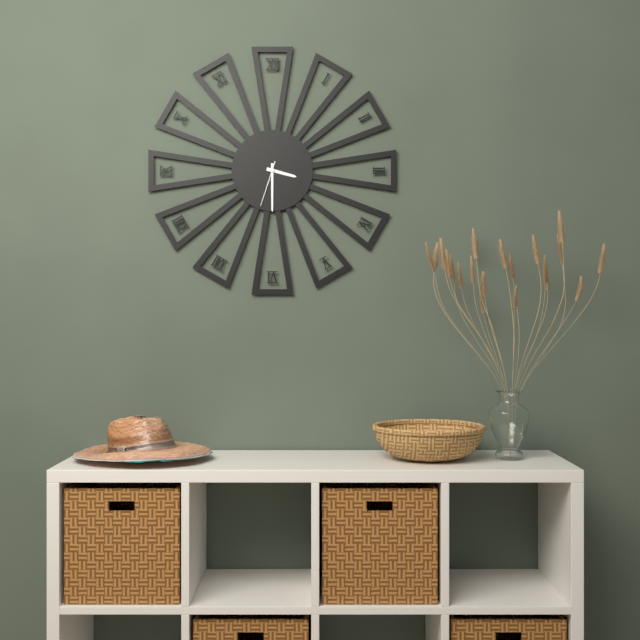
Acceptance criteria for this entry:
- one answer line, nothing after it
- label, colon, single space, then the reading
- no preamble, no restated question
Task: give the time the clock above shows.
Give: 3:30
